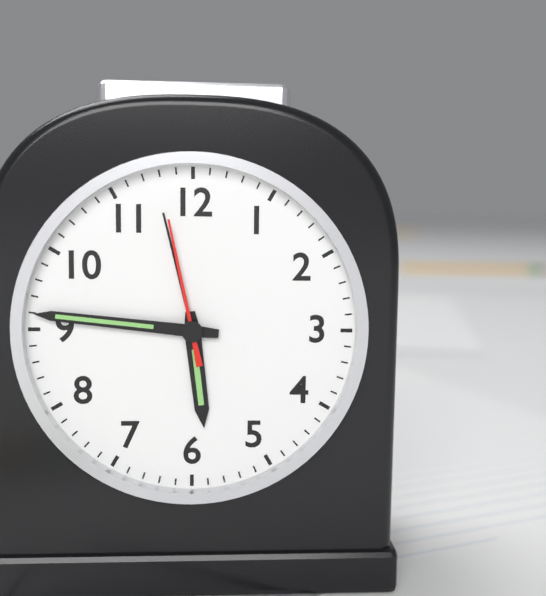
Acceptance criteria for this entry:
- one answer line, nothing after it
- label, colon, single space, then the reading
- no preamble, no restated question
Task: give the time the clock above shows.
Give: 5:46:58
